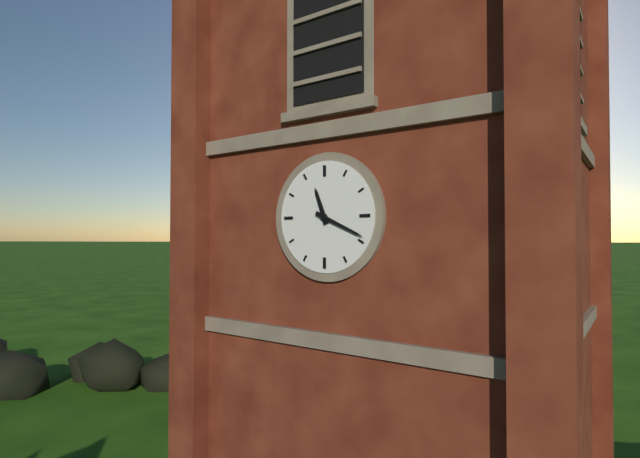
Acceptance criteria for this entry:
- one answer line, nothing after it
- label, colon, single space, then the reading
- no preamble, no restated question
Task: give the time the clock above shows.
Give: 11:19
